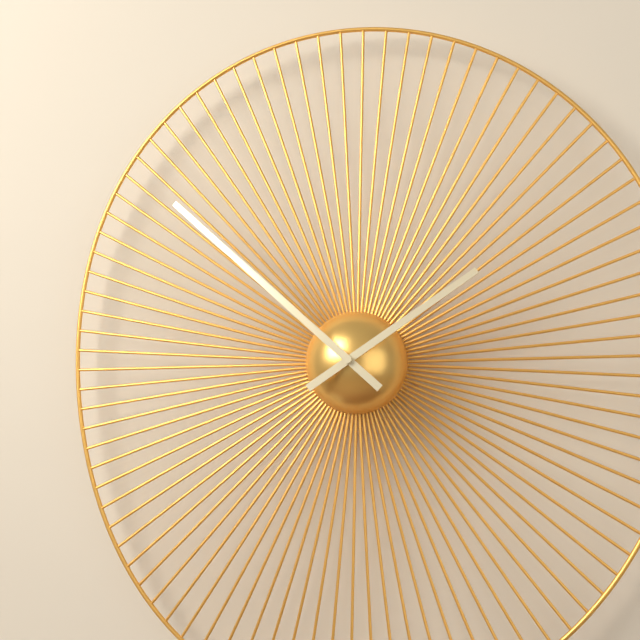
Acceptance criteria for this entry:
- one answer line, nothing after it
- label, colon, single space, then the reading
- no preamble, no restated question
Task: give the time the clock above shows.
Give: 1:52
